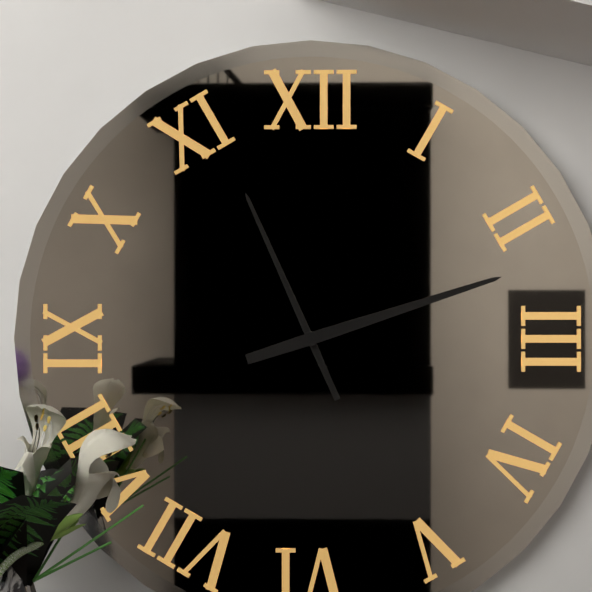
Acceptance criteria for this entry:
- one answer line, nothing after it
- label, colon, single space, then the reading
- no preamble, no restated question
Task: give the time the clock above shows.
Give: 11:12
